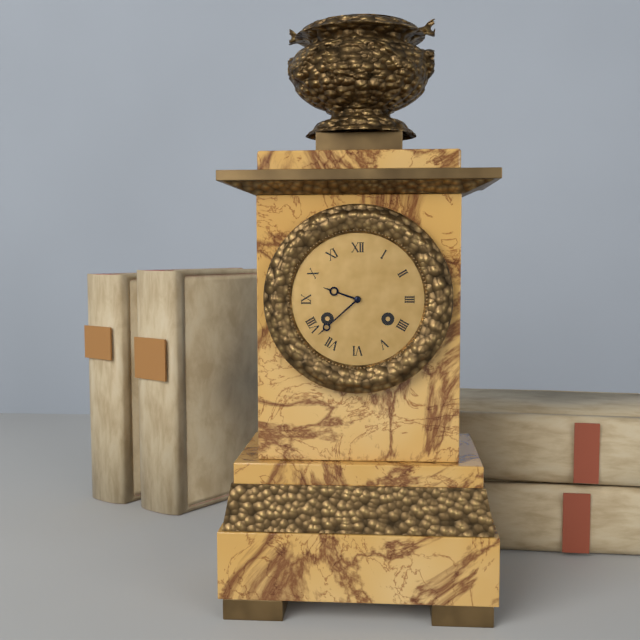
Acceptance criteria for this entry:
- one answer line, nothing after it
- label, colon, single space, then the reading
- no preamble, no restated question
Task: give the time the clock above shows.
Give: 9:38
